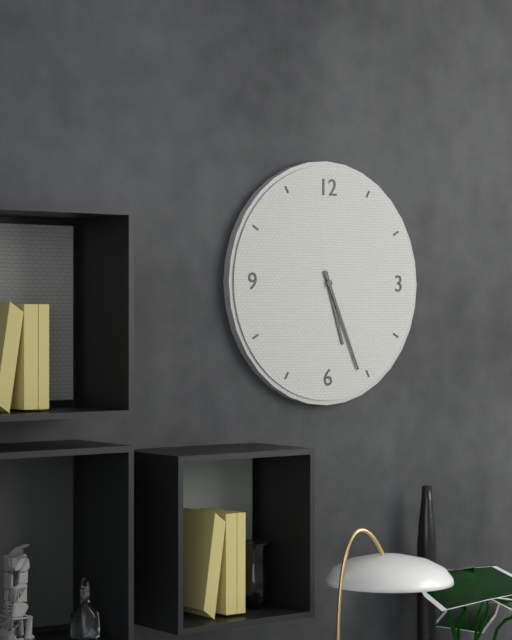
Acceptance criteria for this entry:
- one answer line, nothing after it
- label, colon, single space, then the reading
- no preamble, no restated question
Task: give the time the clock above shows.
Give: 5:26
